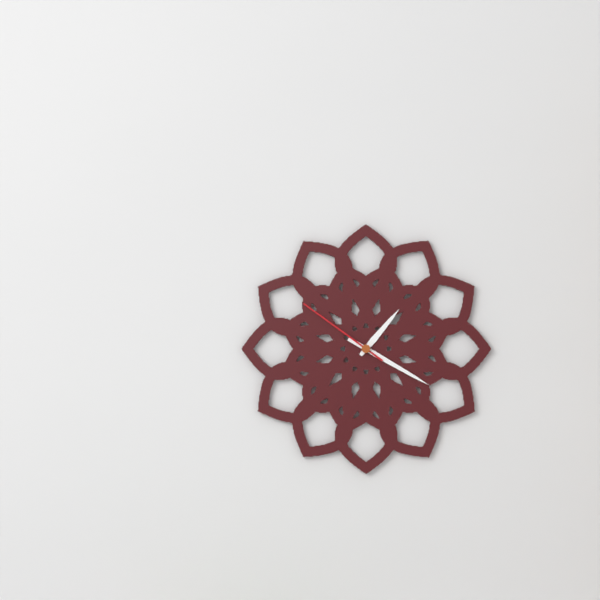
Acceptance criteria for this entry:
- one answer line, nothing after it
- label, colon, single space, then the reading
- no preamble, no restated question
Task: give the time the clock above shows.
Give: 1:20:51
